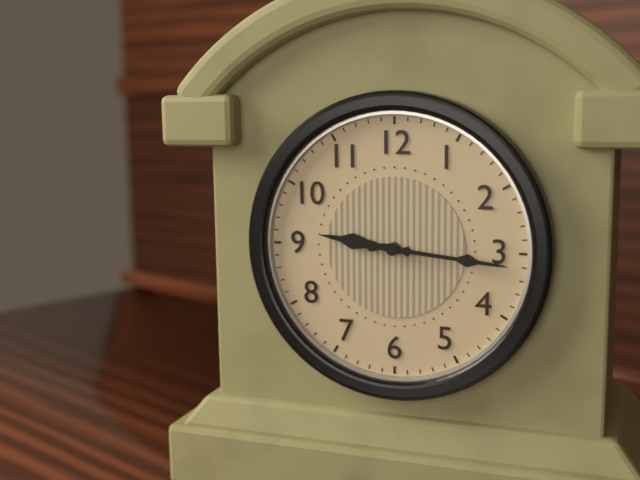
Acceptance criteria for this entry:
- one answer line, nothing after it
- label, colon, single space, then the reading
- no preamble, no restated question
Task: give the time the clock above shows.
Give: 9:16
